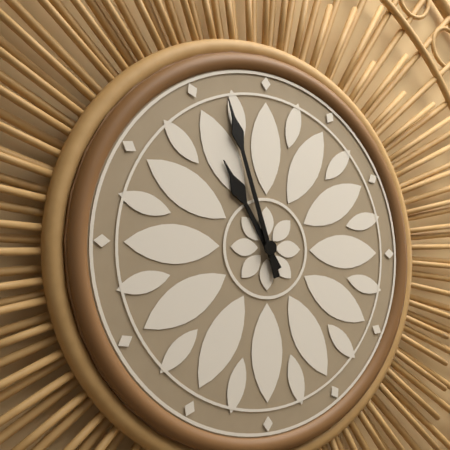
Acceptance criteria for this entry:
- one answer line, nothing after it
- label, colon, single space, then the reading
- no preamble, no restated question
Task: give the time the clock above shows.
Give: 10:57
